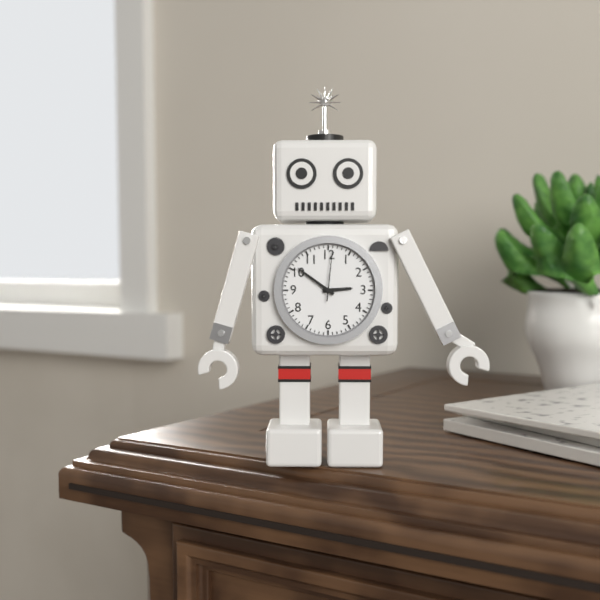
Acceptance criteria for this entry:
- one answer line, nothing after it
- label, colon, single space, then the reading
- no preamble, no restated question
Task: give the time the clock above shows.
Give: 2:51:01
